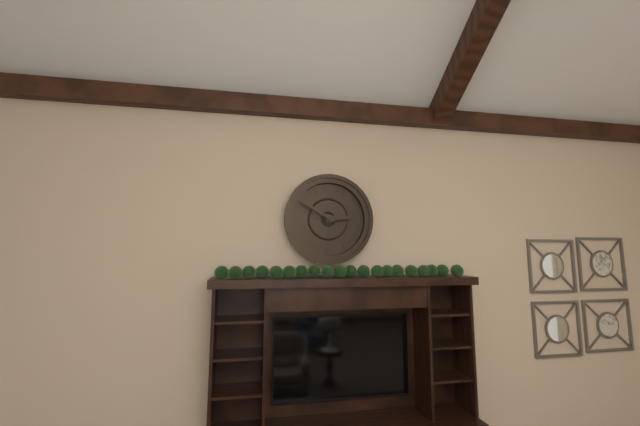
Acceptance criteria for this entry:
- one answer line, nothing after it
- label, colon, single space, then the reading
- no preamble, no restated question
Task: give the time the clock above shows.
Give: 2:50
